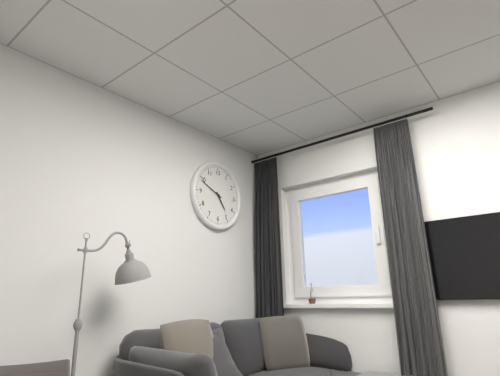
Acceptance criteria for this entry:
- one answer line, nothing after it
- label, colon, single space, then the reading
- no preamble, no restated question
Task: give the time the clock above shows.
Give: 4:49
